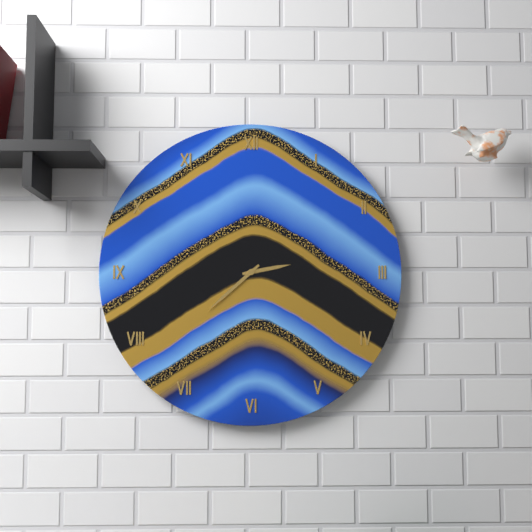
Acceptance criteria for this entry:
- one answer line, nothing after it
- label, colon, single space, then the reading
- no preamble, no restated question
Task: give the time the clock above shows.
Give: 2:38
